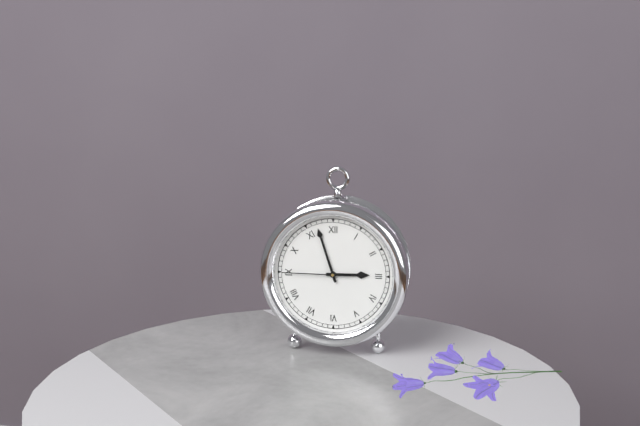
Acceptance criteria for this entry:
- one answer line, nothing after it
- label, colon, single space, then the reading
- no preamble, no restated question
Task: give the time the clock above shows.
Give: 2:57:45
